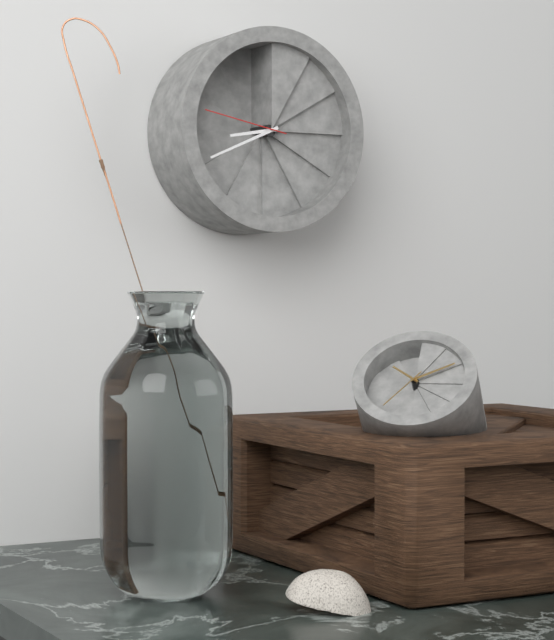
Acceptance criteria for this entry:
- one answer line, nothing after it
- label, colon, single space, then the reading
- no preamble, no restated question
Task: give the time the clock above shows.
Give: 8:41:47
